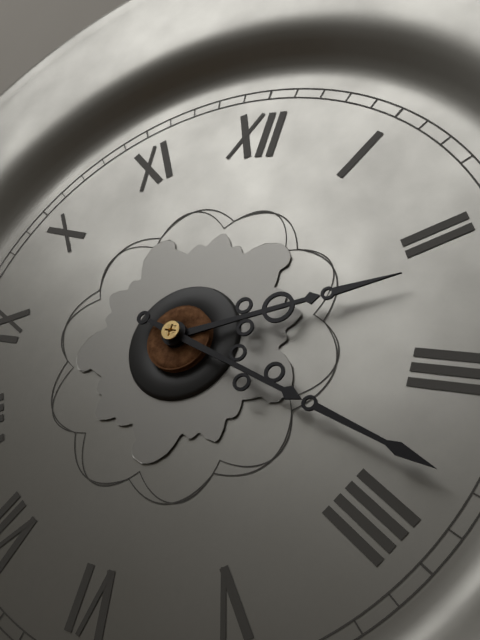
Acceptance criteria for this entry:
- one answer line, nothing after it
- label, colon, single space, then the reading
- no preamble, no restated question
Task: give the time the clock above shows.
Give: 2:18
